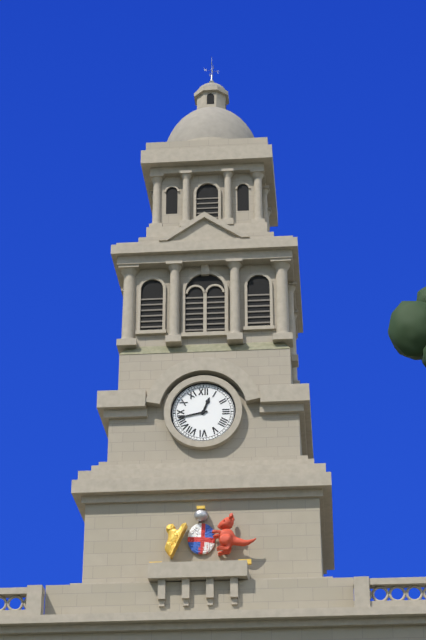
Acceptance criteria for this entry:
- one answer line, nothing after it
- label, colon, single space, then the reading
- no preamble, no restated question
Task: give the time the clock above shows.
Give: 12:43
